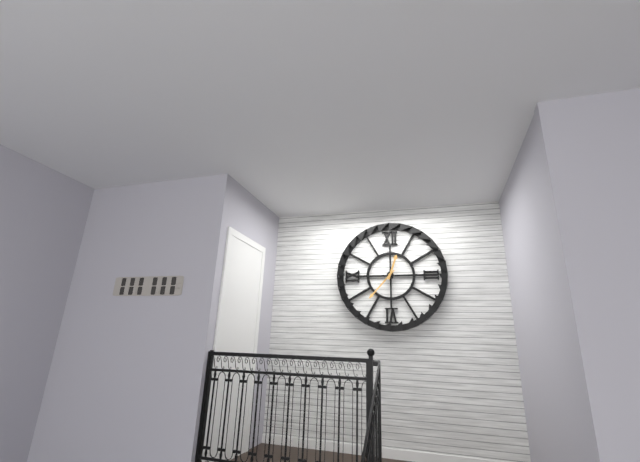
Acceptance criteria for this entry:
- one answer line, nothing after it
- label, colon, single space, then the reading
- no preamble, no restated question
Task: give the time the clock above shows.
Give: 12:37
